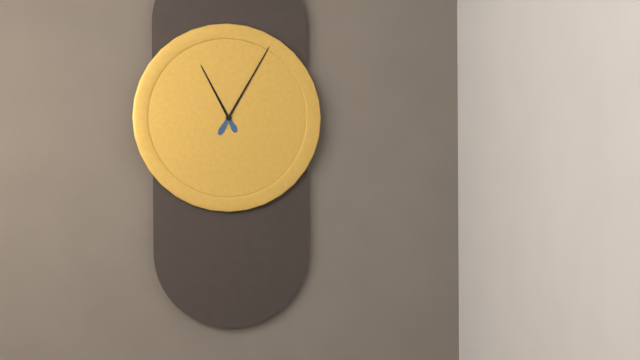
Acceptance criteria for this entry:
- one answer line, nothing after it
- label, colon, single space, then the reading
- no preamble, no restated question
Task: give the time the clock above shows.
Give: 11:05
